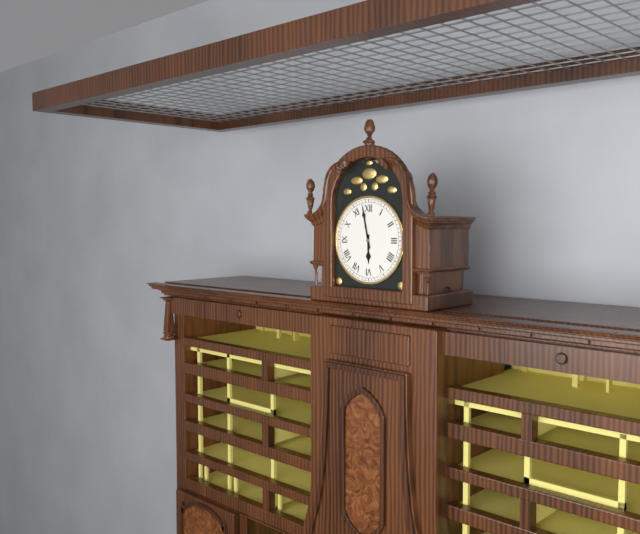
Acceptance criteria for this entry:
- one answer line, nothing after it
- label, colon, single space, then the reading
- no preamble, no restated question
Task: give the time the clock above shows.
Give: 5:58
